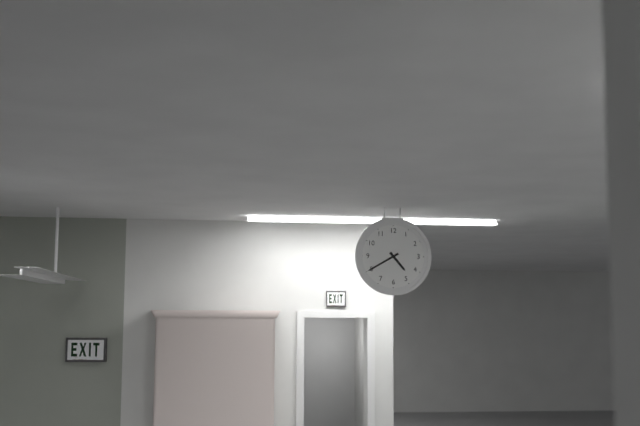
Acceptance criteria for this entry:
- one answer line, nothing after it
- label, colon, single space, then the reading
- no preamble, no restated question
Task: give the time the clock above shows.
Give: 4:40
